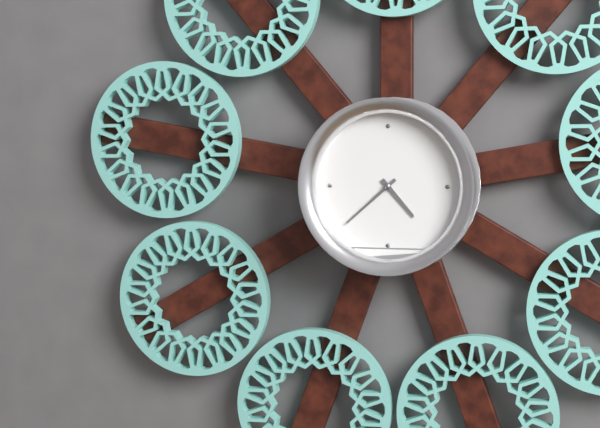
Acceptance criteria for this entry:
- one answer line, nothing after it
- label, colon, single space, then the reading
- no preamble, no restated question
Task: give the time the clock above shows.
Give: 4:38
